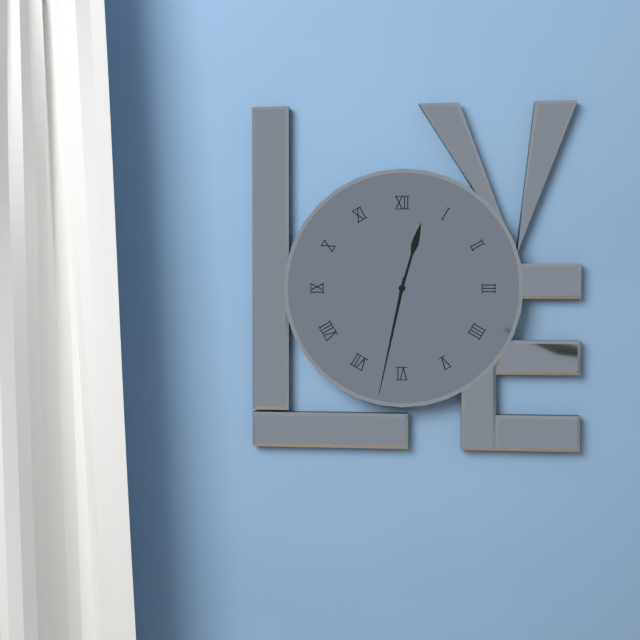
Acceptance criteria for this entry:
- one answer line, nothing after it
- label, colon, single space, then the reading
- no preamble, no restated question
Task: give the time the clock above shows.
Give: 12:32
